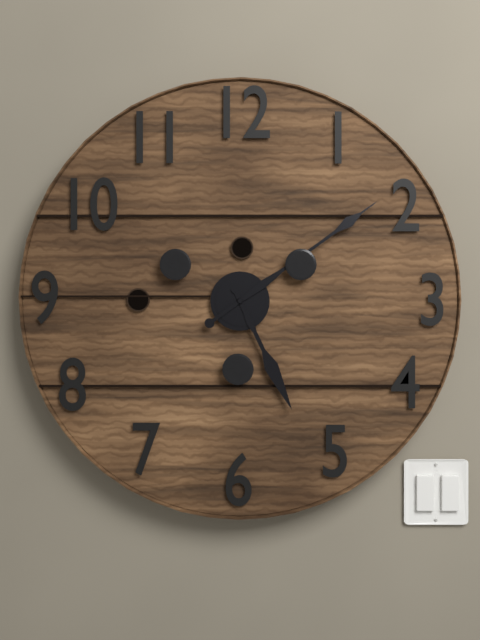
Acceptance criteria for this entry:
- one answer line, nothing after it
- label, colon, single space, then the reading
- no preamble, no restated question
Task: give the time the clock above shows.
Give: 5:09
